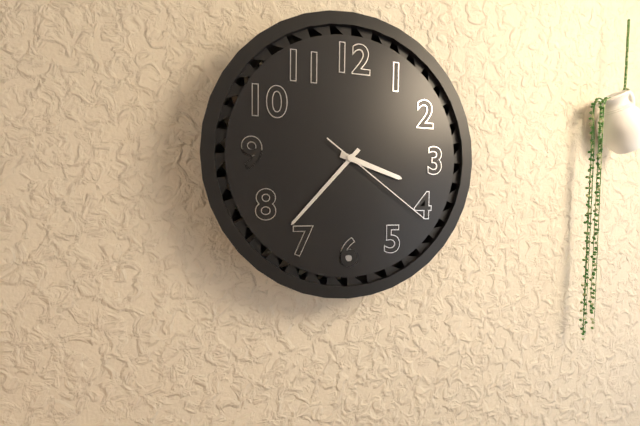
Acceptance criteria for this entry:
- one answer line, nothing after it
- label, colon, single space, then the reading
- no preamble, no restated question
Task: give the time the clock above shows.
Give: 3:37:21
